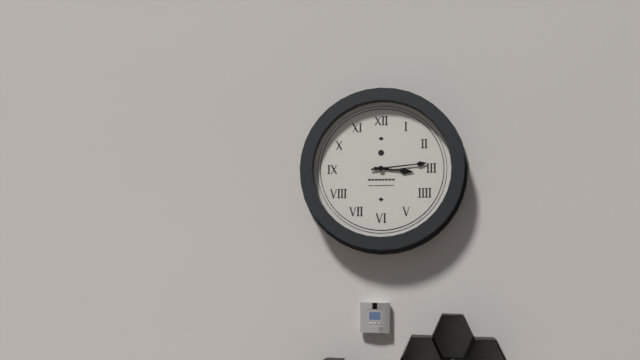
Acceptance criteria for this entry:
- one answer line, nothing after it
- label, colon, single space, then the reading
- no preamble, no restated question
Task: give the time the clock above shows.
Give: 3:14
